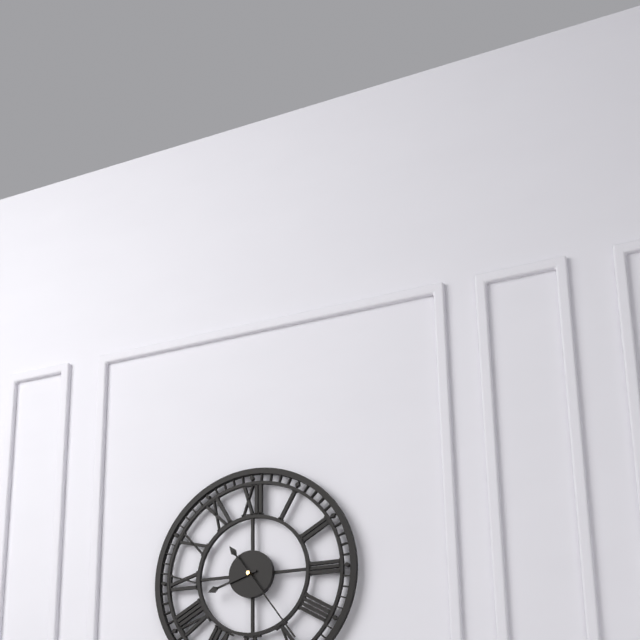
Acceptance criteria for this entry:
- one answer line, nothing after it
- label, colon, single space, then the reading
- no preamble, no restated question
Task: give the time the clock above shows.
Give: 8:24
